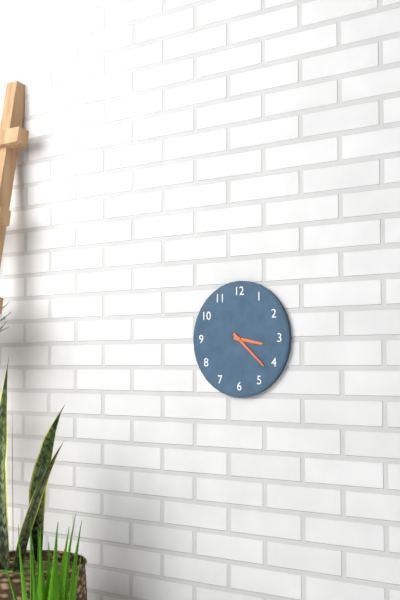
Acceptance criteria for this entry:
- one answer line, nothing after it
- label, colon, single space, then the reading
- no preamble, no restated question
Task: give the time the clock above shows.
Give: 3:22
